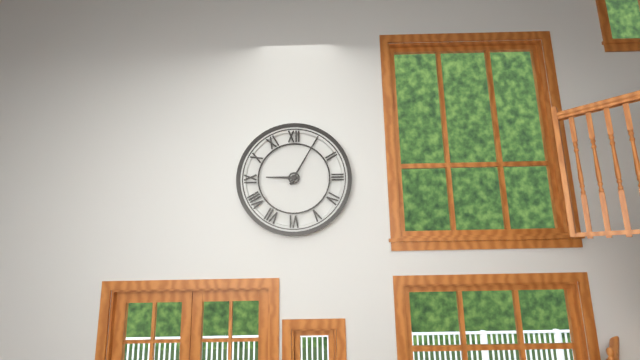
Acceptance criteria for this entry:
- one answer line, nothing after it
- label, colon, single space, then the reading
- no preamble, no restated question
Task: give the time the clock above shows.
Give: 9:05
